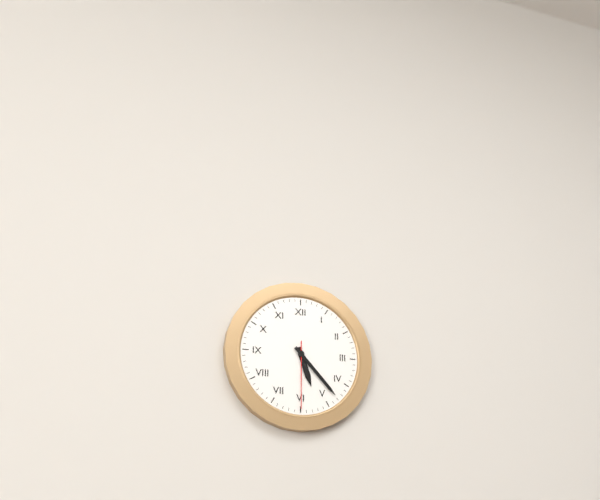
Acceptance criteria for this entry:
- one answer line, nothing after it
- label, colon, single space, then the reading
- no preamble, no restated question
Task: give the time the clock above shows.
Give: 5:23:30
